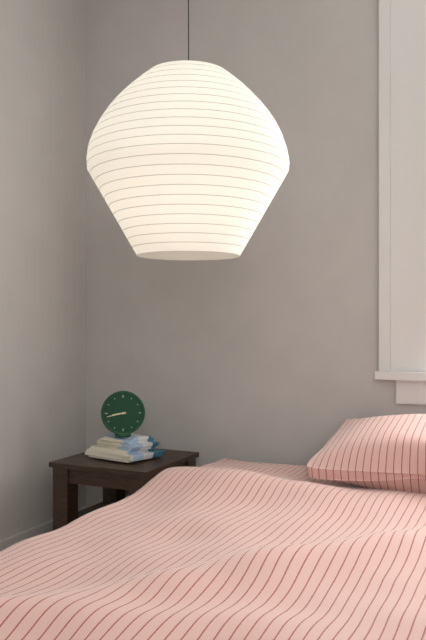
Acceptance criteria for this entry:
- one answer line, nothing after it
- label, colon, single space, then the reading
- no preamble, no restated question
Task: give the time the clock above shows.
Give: 8:43
